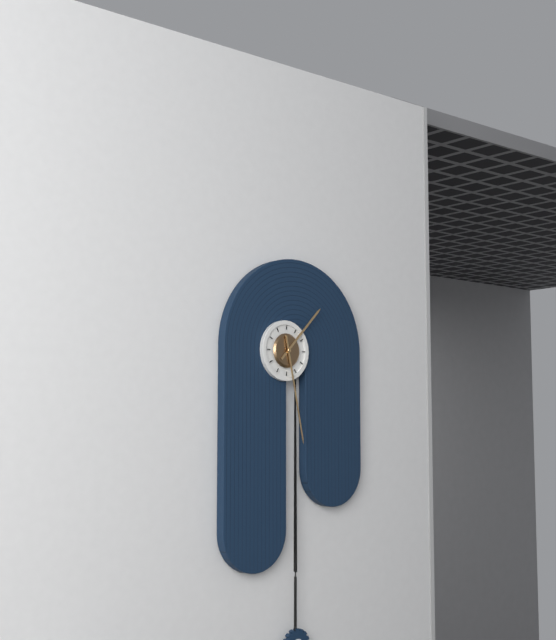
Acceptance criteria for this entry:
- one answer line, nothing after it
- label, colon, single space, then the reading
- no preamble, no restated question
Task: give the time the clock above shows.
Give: 1:28
